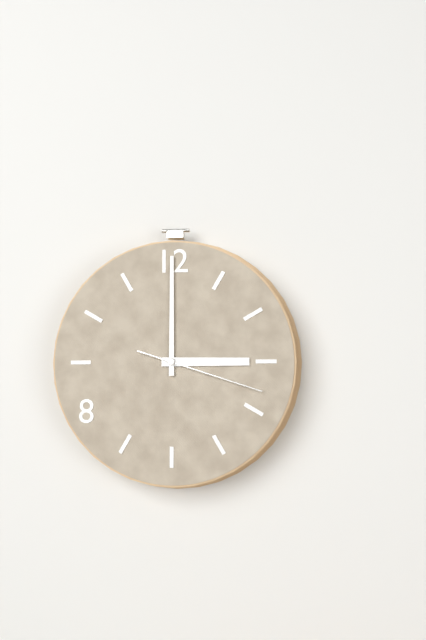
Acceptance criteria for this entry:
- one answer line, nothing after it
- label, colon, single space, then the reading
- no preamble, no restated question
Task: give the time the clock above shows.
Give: 3:00:18
